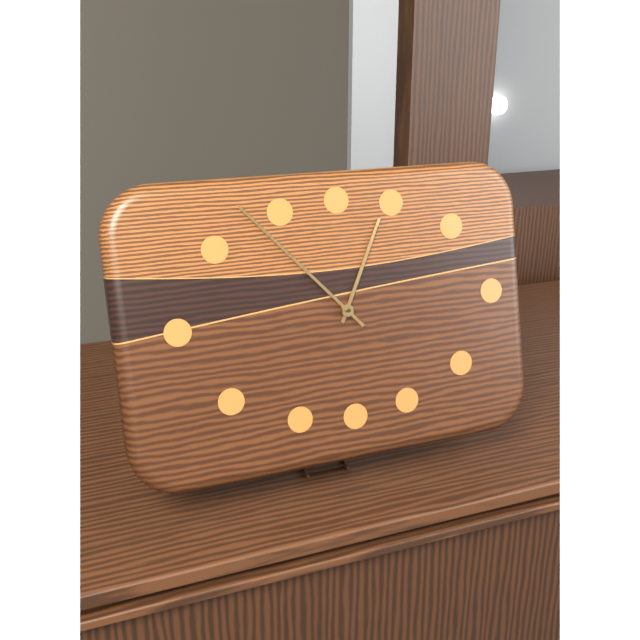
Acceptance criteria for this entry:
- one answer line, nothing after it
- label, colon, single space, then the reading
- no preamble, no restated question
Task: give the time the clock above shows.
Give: 12:53
